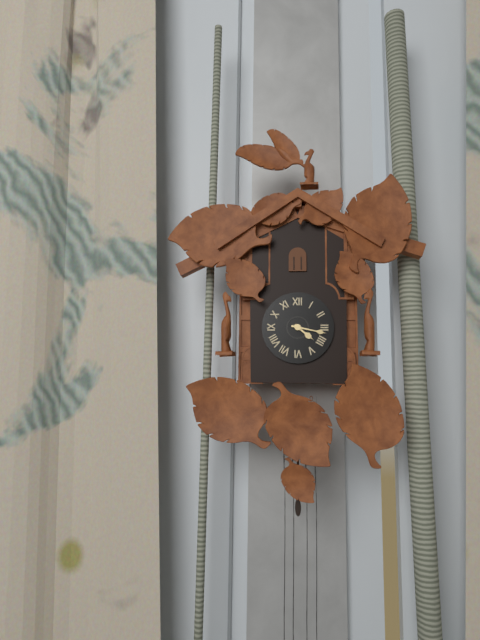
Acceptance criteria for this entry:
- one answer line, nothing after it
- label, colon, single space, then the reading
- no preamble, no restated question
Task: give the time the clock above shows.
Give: 4:17
